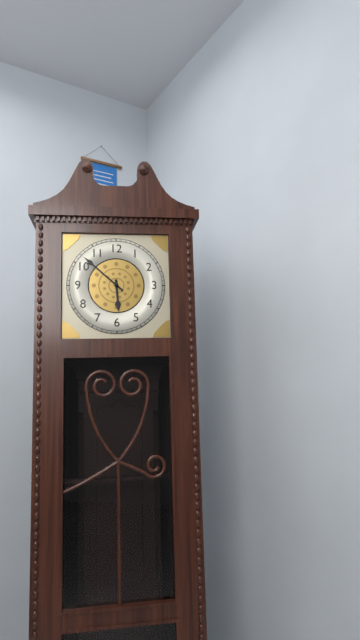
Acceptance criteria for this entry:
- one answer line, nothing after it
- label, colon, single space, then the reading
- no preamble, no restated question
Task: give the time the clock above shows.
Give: 5:52
